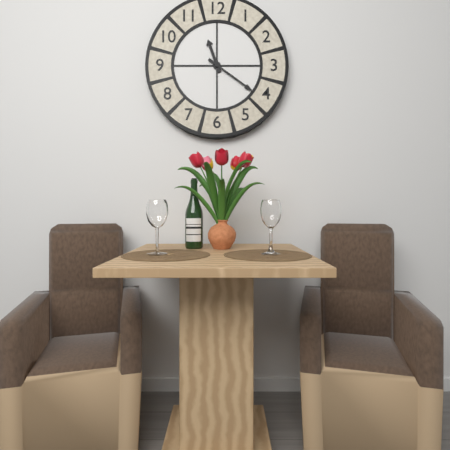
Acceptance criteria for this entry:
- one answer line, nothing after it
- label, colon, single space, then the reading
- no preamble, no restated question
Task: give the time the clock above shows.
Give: 11:21
